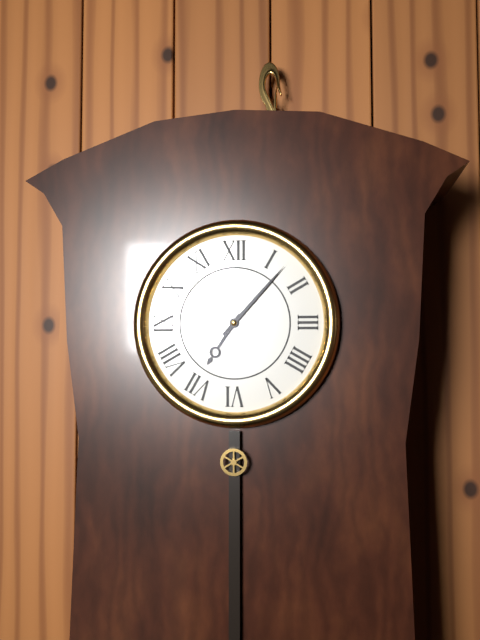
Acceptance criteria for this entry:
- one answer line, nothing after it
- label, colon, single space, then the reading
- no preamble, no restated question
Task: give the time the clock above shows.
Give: 7:07
